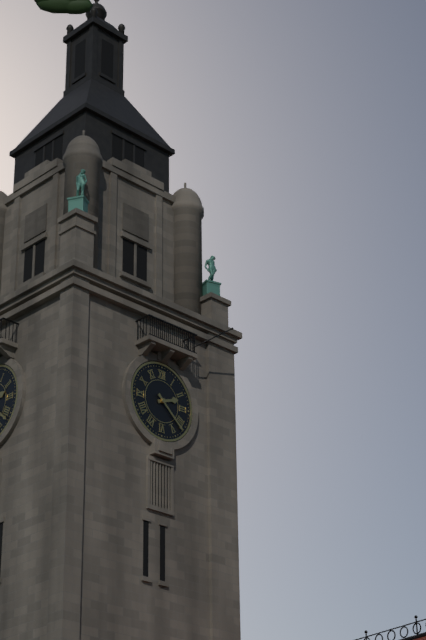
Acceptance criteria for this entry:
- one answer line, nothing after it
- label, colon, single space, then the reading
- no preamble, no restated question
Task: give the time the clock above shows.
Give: 2:22
